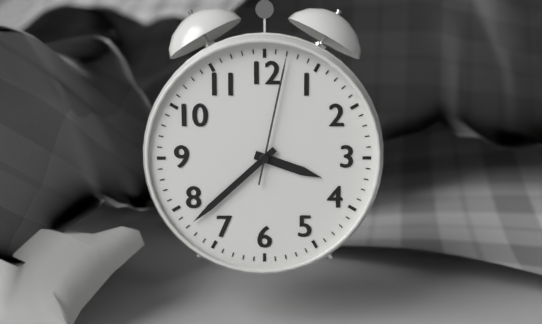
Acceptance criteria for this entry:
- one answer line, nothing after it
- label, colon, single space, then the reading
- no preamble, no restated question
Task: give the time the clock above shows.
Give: 3:38:02
